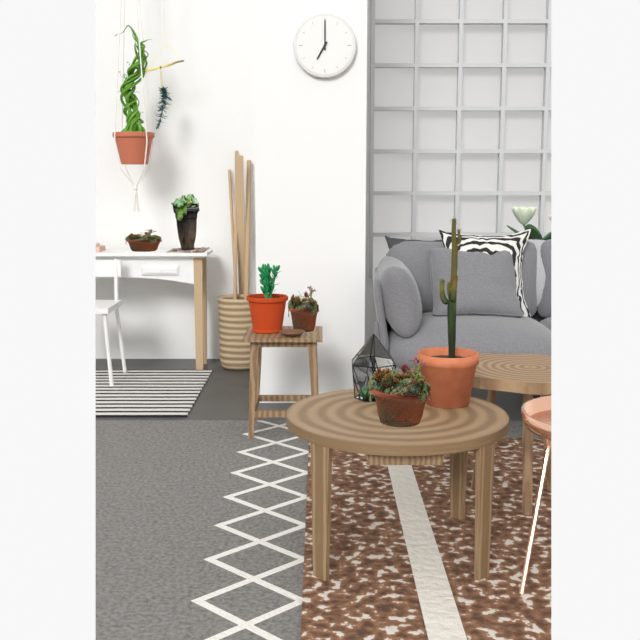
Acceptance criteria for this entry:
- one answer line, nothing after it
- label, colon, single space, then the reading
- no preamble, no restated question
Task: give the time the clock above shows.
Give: 7:00
